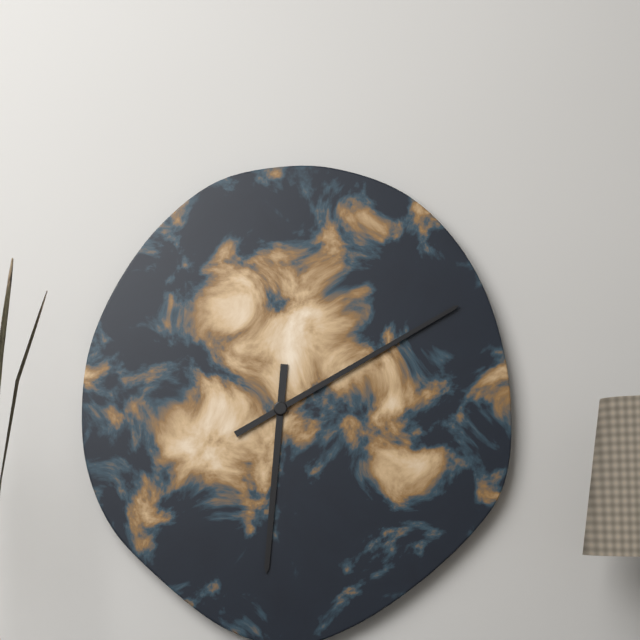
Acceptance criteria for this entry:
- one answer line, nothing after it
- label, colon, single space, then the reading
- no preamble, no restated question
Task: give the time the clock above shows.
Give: 6:10
